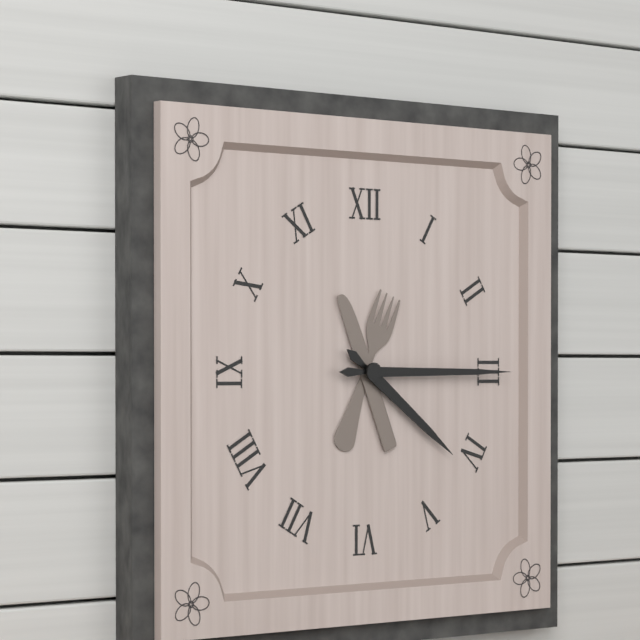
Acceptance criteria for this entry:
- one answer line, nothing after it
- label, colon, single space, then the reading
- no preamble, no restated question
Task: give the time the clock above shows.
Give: 4:15
